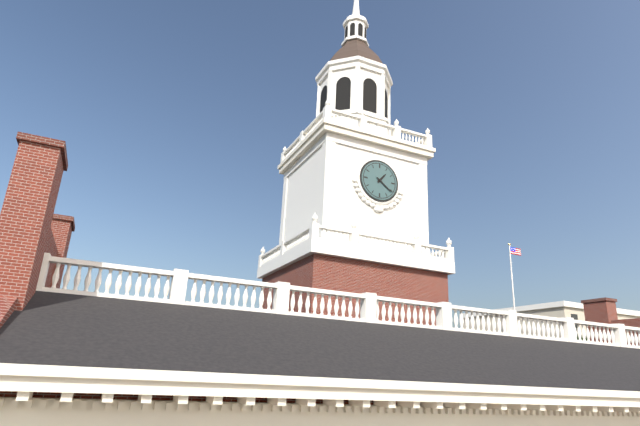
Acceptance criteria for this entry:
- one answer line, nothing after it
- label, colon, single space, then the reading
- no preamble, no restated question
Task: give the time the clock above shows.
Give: 1:21
